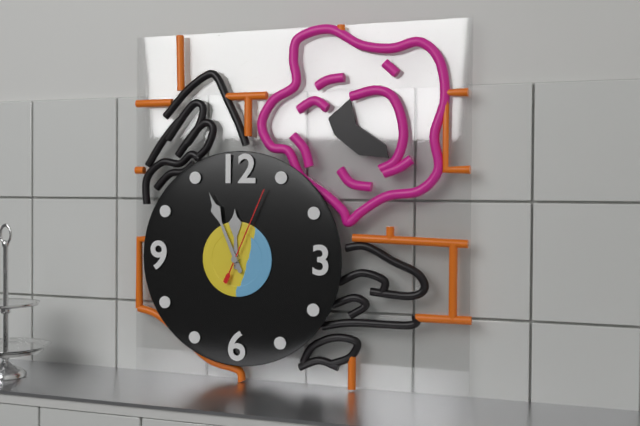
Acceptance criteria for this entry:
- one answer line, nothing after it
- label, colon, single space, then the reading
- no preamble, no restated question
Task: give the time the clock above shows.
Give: 11:56:04
